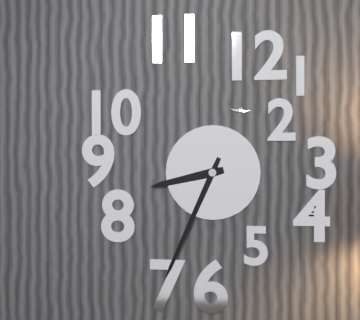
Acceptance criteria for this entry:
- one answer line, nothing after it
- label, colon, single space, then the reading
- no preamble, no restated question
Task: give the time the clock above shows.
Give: 8:34
